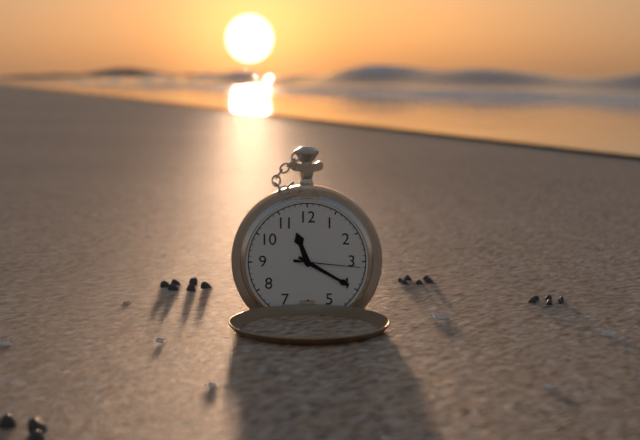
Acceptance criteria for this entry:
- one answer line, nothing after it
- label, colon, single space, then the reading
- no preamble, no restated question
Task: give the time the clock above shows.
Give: 11:20:16
